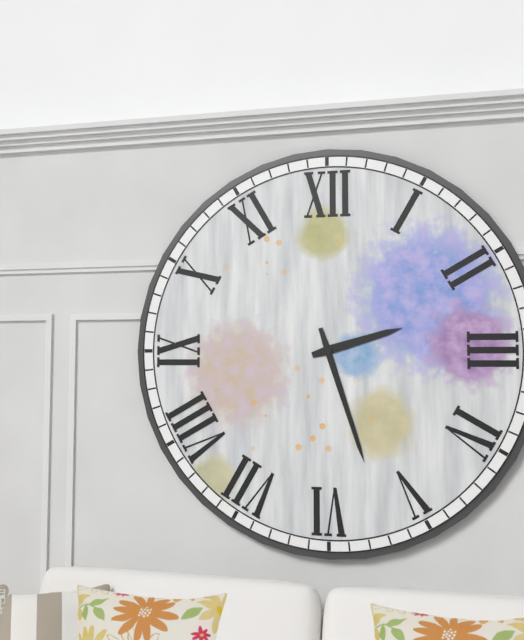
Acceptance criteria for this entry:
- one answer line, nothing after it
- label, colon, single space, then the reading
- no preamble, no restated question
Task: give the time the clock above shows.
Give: 2:27
